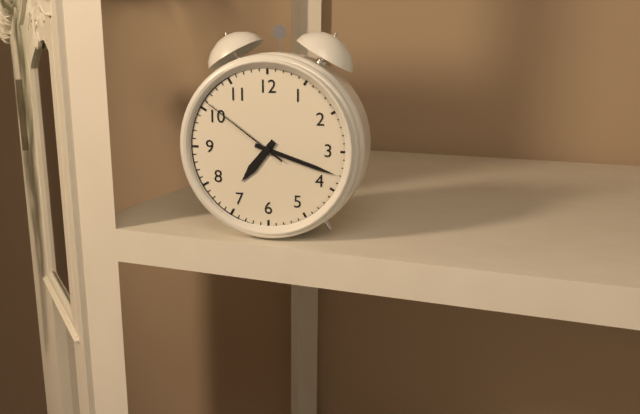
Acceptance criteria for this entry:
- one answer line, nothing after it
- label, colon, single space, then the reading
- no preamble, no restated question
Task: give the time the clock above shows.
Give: 7:18:51
